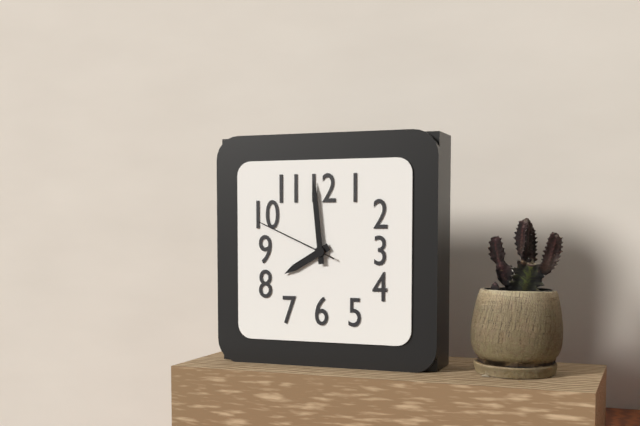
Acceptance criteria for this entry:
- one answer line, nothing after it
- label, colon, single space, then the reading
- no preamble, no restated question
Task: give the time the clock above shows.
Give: 7:59:49
